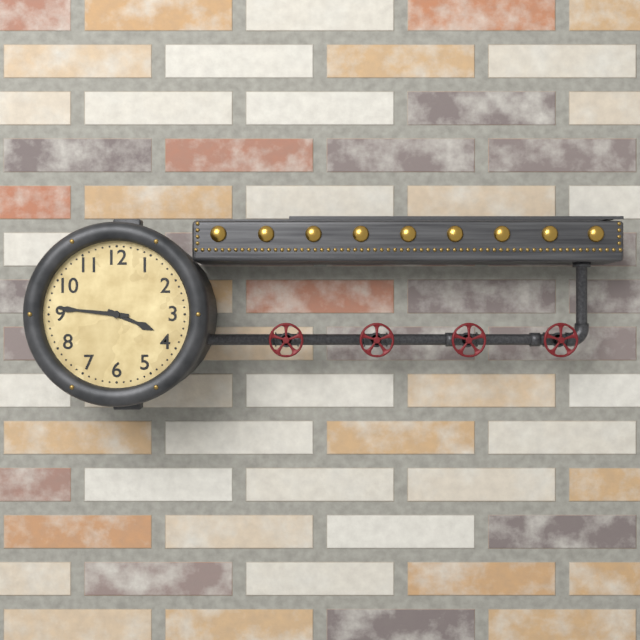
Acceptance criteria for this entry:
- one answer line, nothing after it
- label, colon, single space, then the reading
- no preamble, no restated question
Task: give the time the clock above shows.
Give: 3:46
